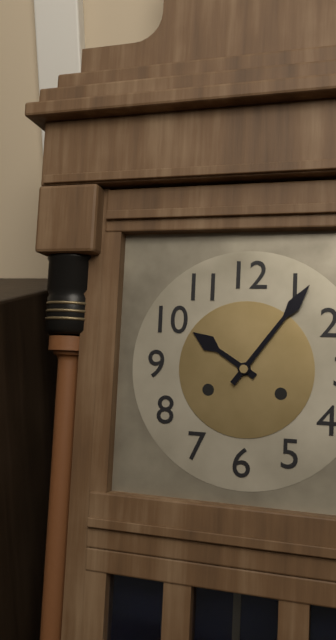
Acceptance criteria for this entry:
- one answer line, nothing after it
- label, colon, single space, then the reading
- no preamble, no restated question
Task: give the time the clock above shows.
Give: 10:06
